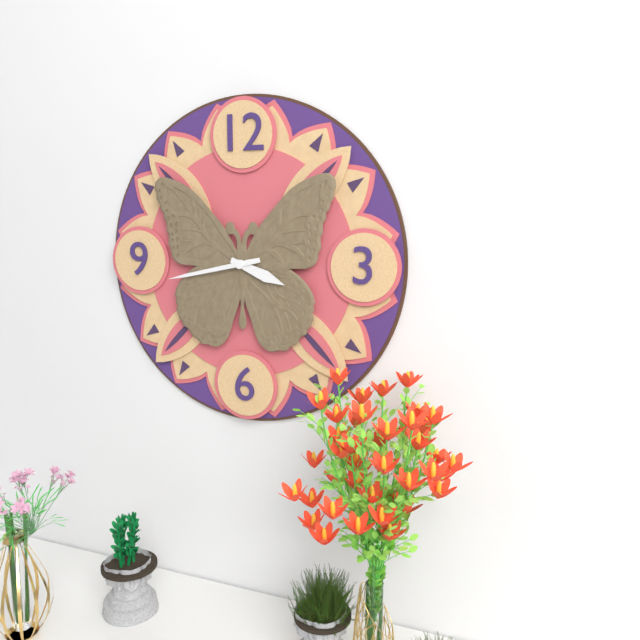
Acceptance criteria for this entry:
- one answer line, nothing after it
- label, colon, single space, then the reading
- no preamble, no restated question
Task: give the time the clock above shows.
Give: 3:43
